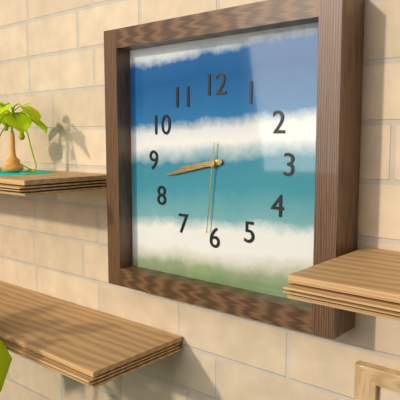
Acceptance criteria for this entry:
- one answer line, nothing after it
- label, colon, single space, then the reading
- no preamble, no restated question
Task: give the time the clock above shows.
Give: 8:43:31
